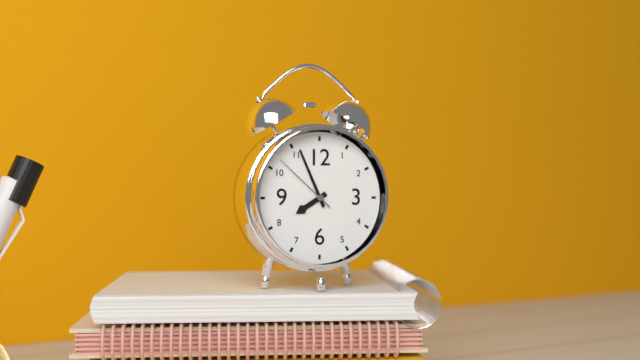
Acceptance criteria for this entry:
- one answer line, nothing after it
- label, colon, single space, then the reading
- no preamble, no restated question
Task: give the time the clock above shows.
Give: 7:56:52
